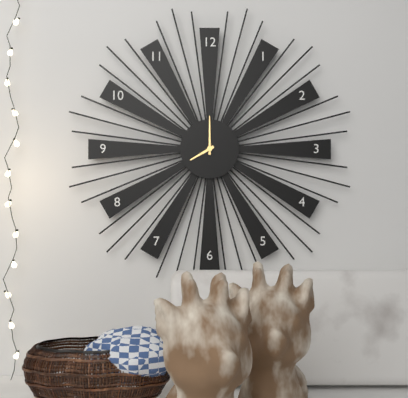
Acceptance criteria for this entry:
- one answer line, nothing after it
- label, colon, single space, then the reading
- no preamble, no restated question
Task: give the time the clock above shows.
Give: 8:00
